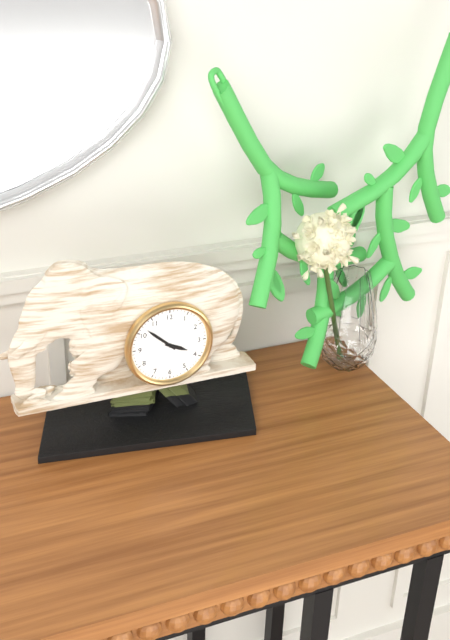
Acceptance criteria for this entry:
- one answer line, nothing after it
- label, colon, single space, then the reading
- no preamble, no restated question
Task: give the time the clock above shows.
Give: 3:52
